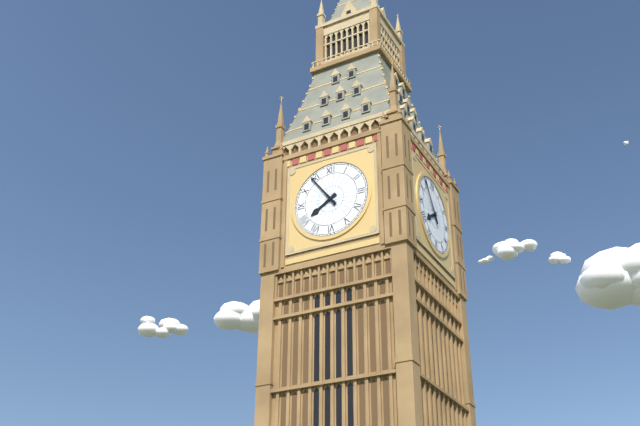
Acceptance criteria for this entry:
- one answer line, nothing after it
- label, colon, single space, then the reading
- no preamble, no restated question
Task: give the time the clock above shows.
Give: 7:54
